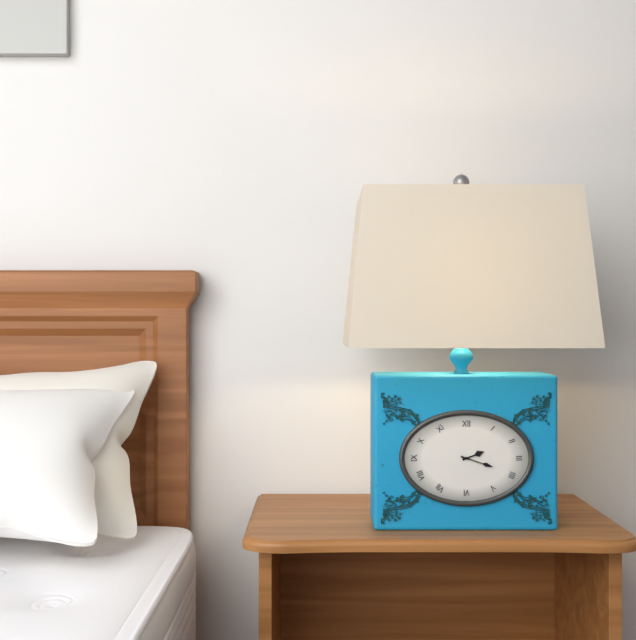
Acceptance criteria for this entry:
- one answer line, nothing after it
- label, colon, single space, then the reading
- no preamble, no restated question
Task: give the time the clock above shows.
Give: 2:18
